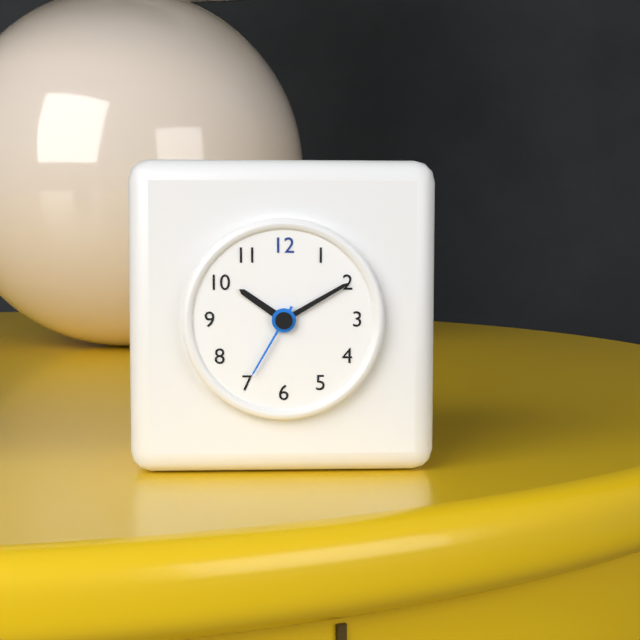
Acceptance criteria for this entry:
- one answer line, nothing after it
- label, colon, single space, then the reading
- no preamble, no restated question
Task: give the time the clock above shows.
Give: 10:10:35
